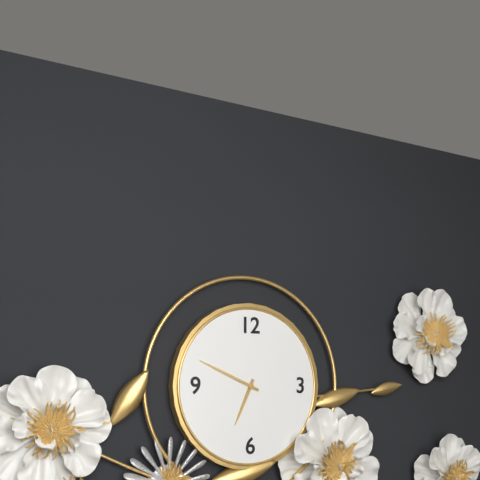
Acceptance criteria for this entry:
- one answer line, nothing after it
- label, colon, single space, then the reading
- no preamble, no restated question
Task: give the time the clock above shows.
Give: 6:49
